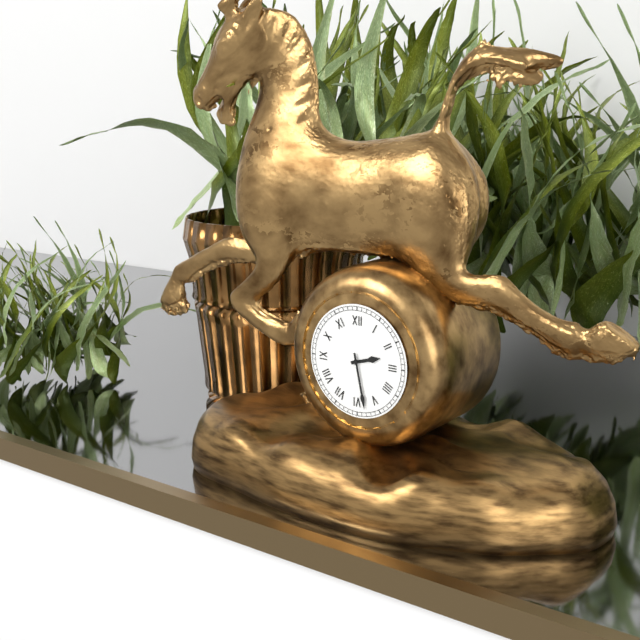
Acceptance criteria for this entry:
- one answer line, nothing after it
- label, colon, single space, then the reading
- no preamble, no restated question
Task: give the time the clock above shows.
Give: 2:28
